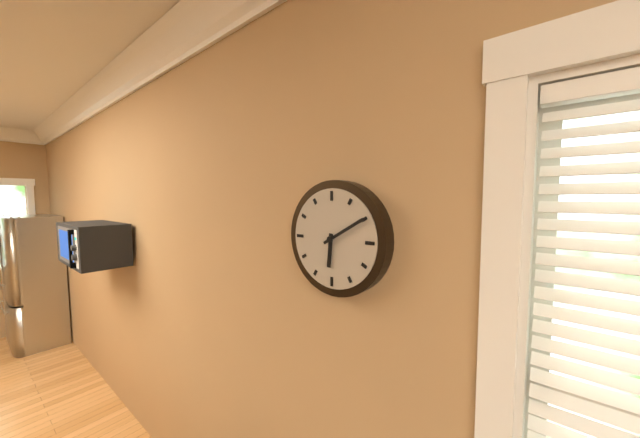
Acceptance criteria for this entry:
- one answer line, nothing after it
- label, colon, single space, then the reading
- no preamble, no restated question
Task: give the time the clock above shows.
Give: 6:10
